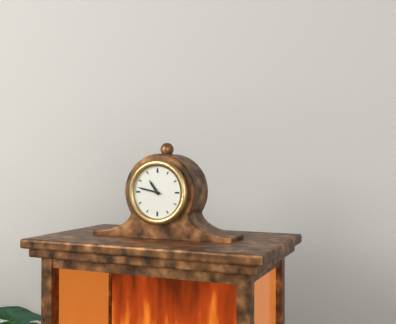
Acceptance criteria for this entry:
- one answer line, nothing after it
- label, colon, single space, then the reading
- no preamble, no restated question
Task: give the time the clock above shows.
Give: 10:47
